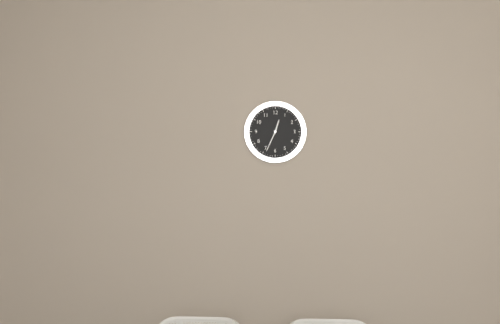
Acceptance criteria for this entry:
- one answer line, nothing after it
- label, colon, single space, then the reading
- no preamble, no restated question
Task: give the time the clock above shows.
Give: 12:34
